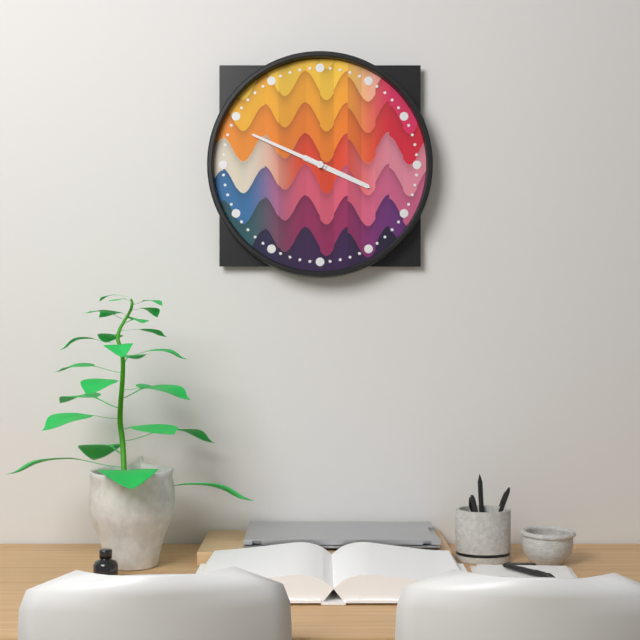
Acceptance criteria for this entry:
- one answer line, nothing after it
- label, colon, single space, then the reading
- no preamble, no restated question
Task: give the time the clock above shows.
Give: 3:49
